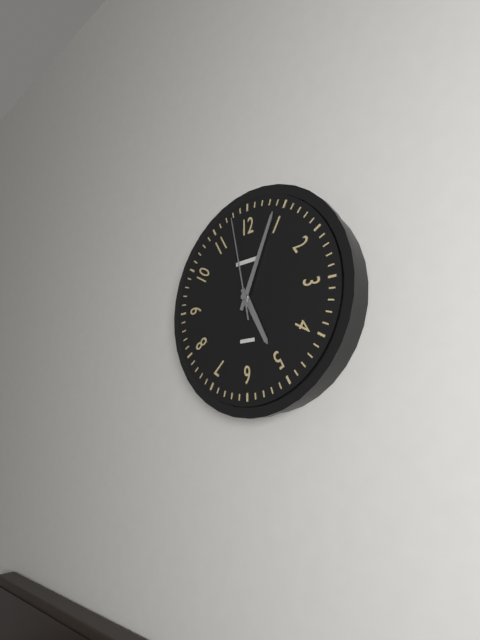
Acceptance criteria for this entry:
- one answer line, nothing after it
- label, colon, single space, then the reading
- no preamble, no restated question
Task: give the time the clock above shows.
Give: 5:04:58
